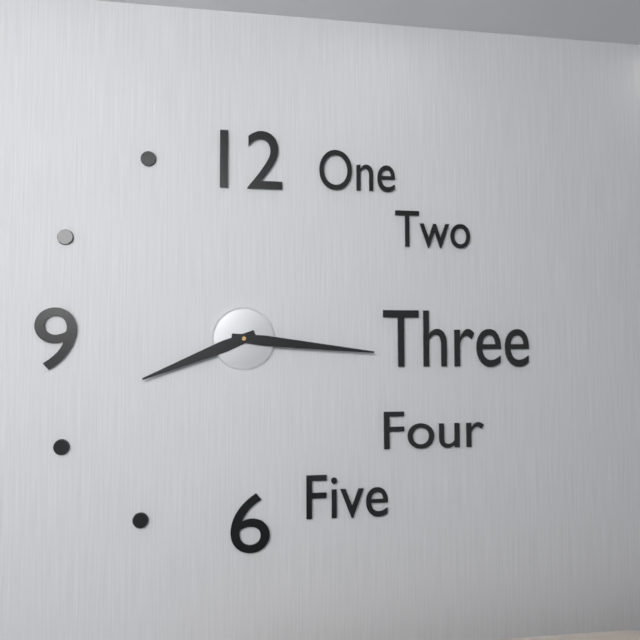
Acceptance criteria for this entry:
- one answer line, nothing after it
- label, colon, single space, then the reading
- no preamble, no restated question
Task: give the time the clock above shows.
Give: 8:16
